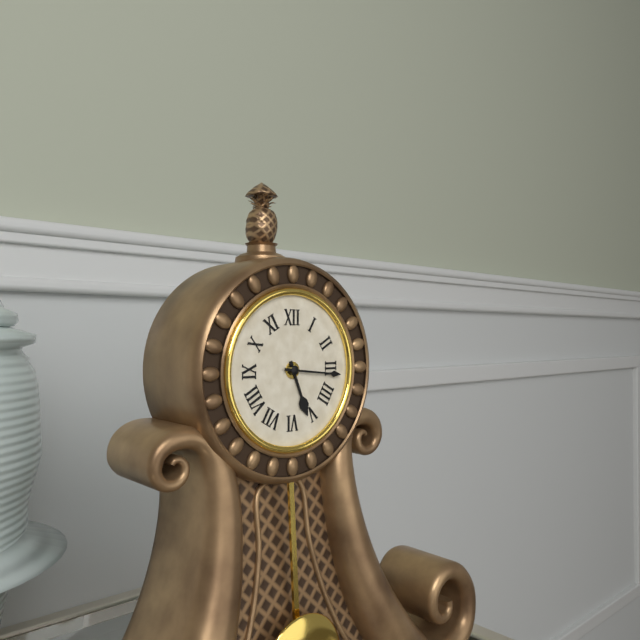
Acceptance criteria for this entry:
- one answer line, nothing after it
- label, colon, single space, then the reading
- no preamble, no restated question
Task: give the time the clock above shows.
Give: 5:16
